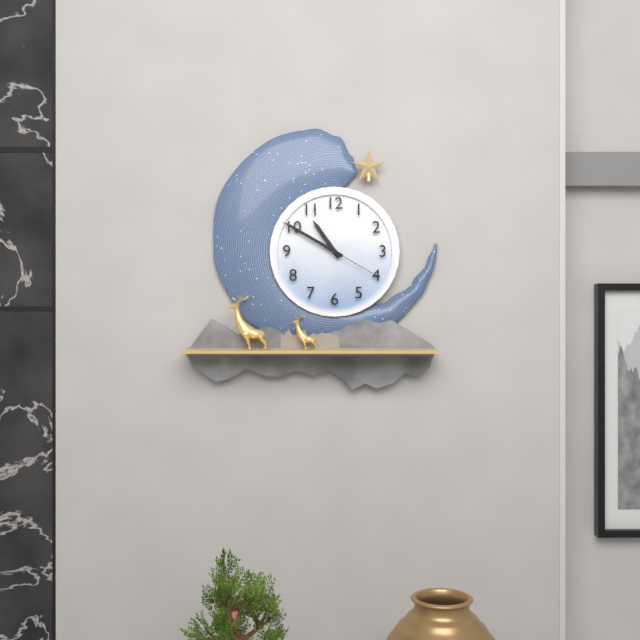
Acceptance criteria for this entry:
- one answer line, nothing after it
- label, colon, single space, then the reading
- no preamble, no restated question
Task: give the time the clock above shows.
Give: 10:50:20
